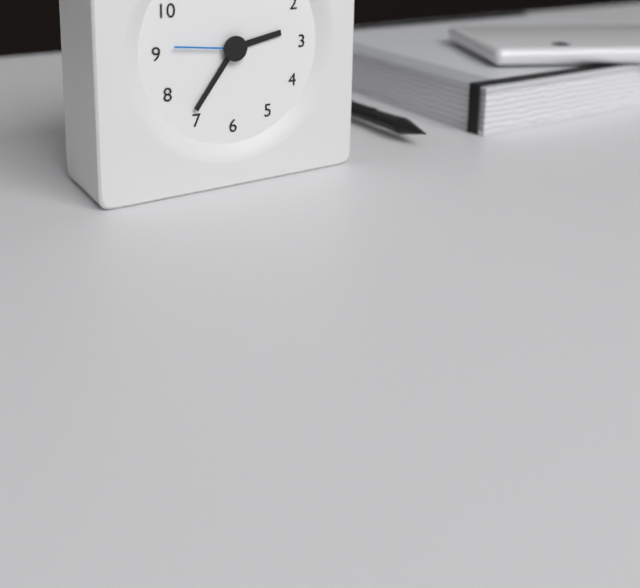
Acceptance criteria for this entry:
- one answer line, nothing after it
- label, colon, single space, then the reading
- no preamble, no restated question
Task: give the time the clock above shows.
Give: 2:36:46
